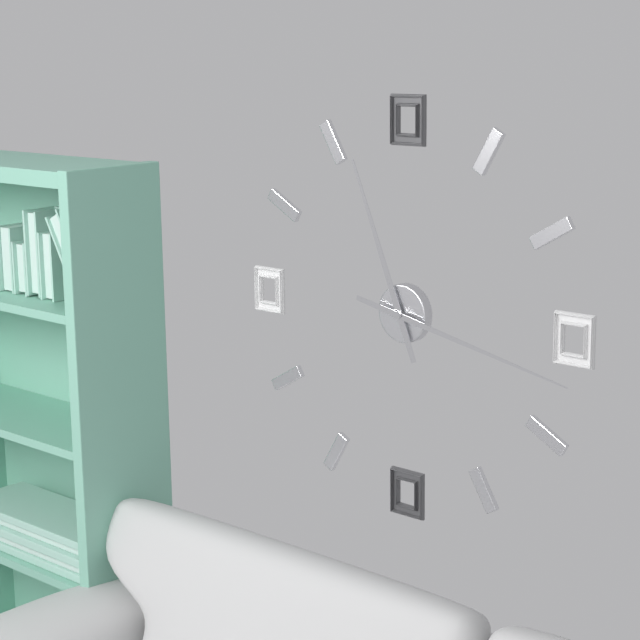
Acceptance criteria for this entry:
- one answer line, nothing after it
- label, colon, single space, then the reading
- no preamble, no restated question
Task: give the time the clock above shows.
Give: 11:17
